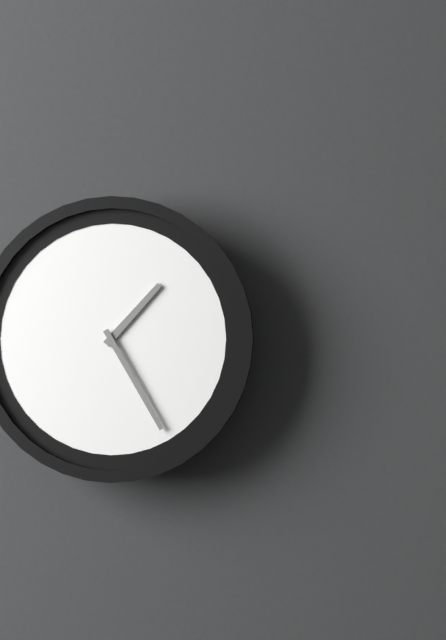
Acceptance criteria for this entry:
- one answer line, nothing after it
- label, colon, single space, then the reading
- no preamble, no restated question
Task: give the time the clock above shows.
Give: 1:25
